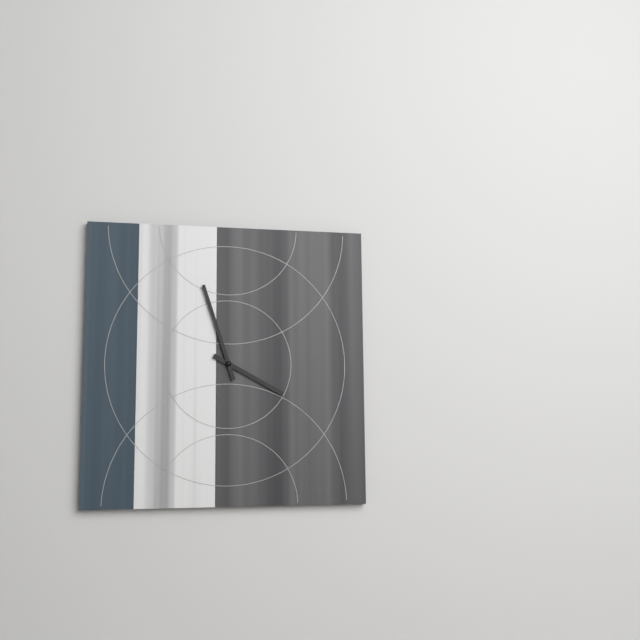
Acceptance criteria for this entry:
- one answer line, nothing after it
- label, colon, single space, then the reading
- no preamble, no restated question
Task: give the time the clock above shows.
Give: 3:57
